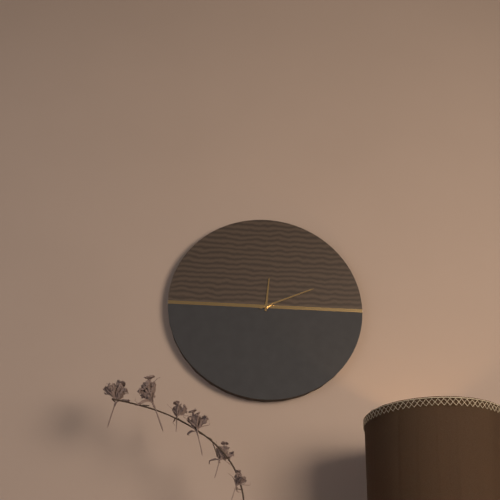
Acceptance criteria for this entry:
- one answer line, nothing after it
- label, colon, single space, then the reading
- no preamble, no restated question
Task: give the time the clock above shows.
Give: 12:11
